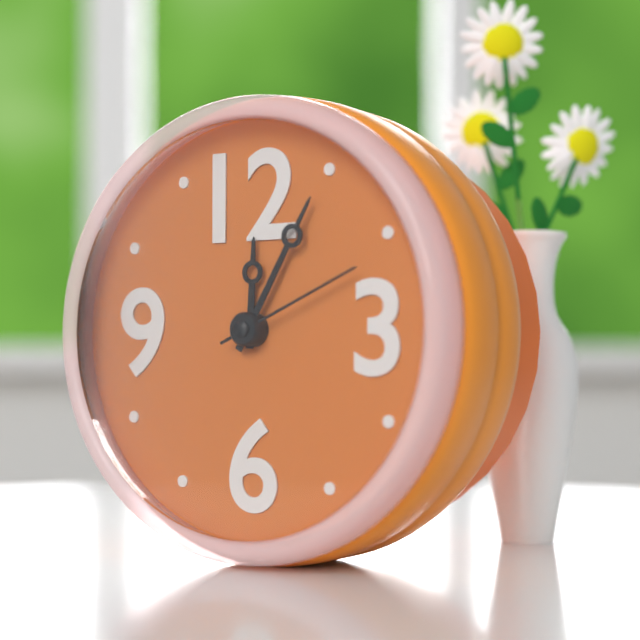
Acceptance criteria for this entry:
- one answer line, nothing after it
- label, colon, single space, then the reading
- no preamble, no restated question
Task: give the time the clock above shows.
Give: 12:05:11
